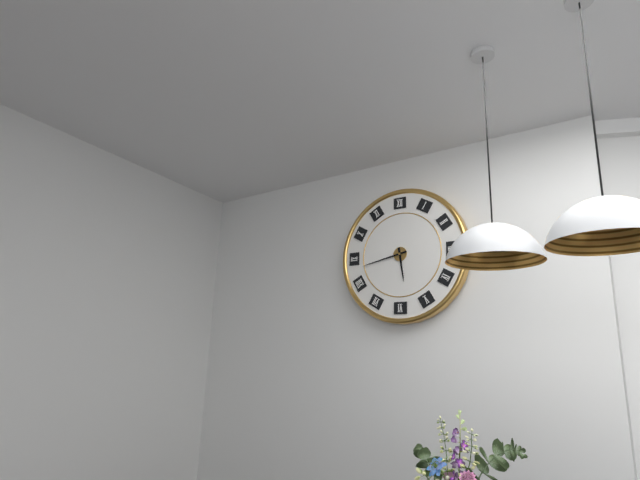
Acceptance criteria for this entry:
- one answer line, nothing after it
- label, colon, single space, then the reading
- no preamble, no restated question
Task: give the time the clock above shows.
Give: 5:43
